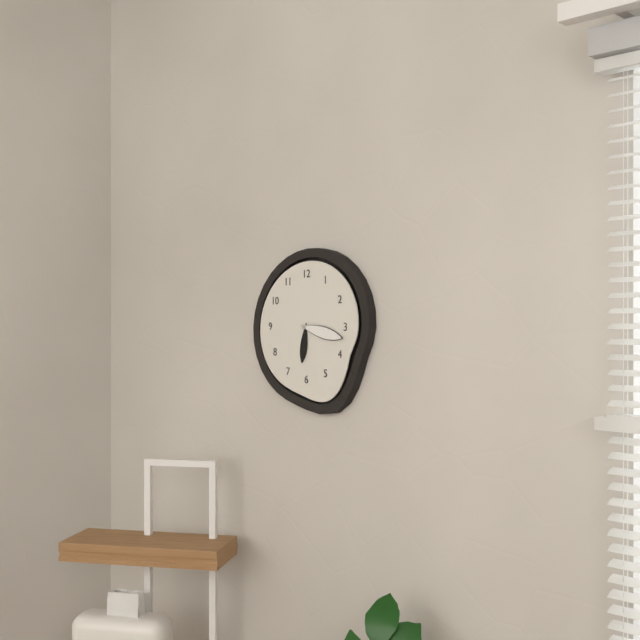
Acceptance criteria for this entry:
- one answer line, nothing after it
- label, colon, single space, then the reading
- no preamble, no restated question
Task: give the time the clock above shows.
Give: 6:17
